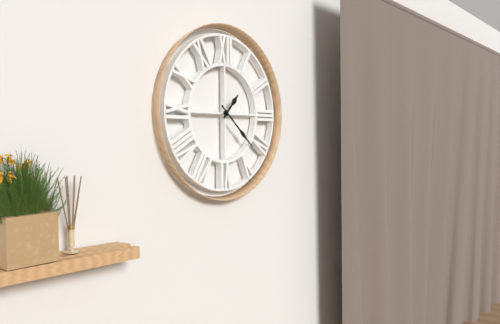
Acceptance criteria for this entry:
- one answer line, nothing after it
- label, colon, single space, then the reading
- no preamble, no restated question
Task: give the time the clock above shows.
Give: 1:22
